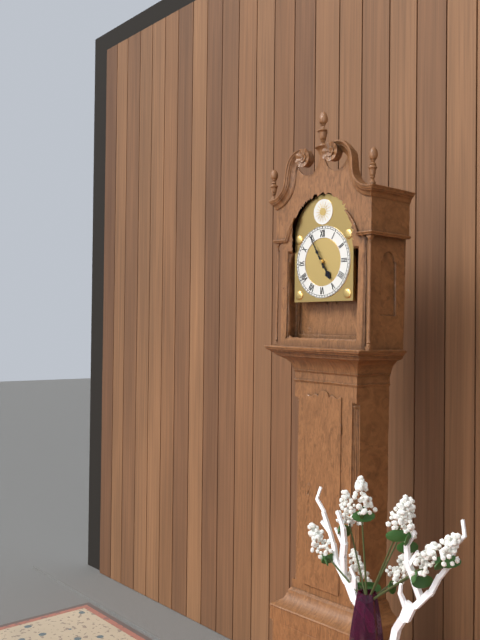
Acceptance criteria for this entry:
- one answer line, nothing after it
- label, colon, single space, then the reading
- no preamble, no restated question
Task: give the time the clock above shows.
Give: 4:55
